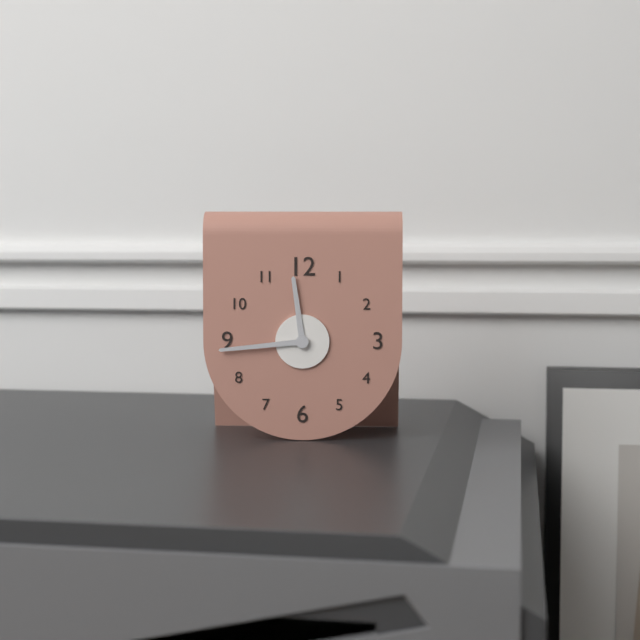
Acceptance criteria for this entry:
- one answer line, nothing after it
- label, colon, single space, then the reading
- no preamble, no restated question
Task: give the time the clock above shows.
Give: 11:44
